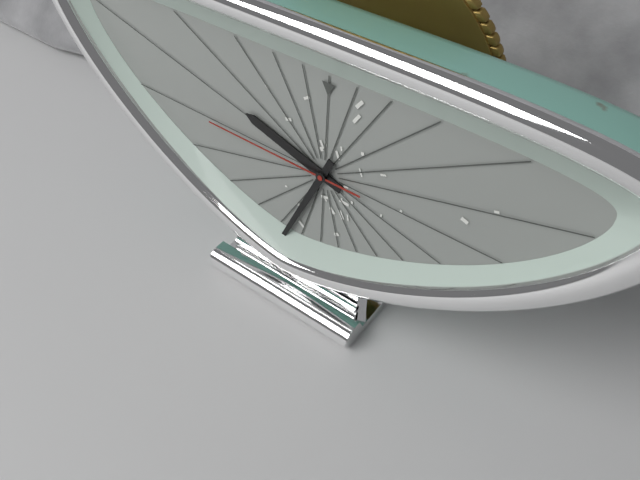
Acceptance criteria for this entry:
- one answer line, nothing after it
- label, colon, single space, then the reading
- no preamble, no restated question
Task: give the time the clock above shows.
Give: 9:34:45
